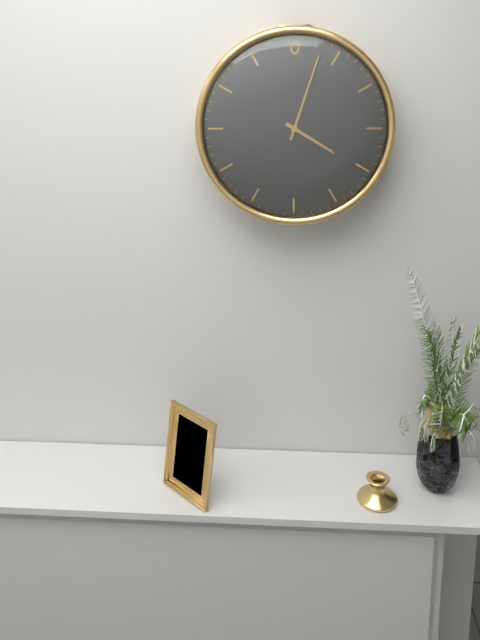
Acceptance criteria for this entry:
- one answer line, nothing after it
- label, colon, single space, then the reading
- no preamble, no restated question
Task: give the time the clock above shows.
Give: 4:03
